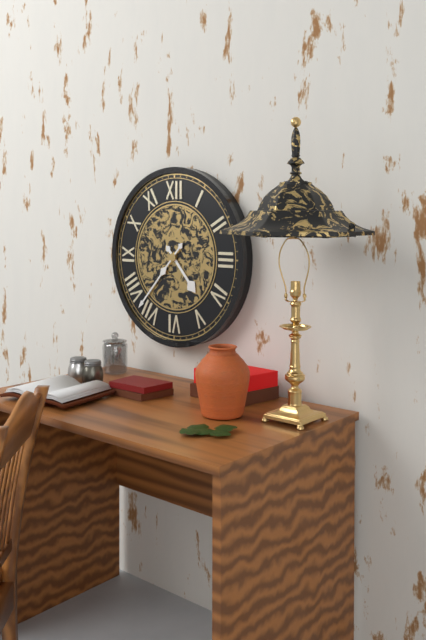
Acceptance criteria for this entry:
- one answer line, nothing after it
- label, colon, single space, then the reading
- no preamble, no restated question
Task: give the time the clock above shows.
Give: 4:37
